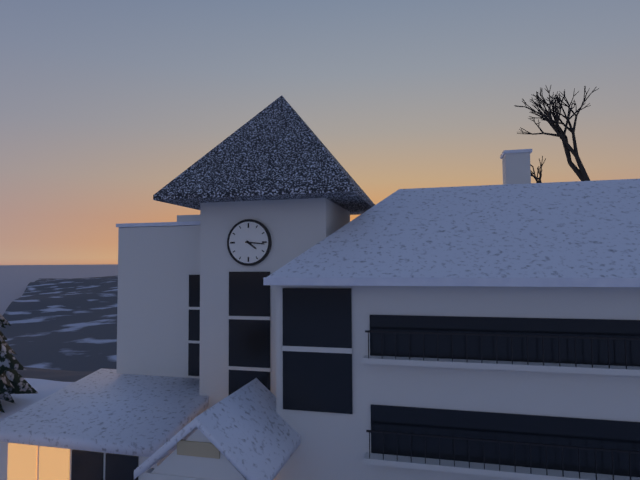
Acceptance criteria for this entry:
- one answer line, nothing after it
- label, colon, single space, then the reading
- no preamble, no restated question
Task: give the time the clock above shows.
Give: 4:16
